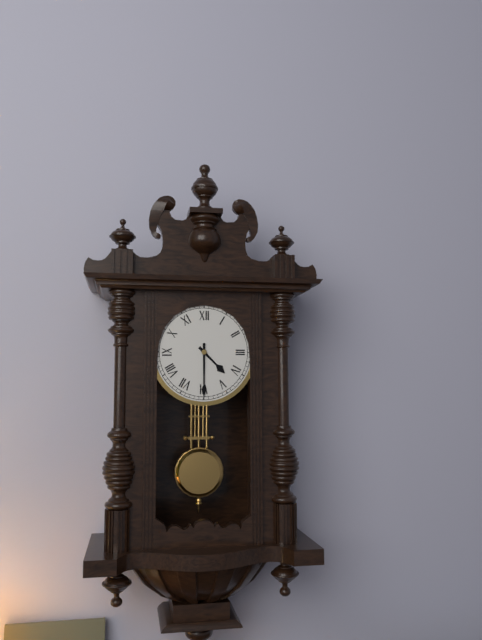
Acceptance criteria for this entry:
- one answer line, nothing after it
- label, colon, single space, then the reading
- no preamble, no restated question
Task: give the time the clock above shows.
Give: 4:30
